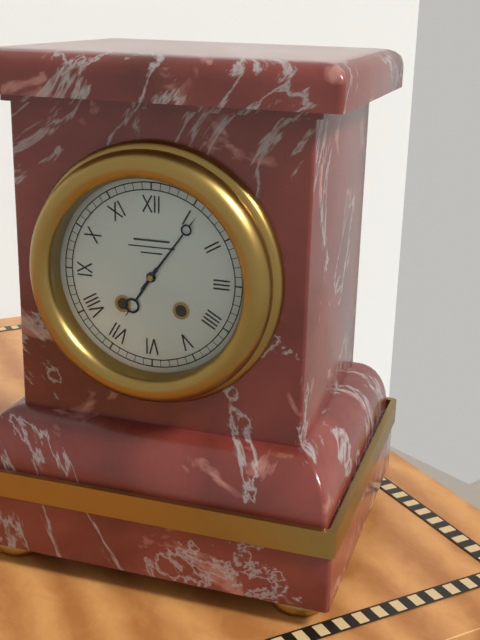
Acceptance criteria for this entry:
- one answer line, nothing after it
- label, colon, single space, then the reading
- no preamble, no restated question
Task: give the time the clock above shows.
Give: 7:06
